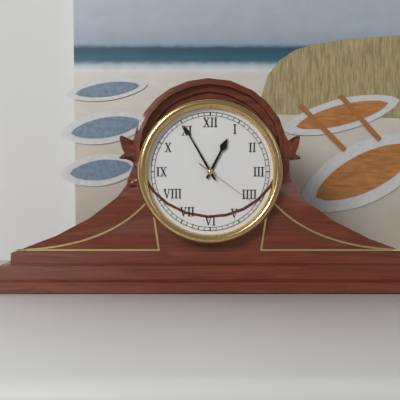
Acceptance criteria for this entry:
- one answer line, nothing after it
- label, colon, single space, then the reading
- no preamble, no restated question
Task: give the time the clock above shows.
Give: 12:55:21
